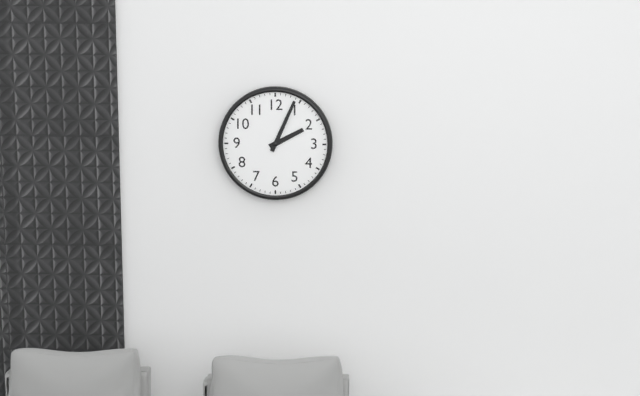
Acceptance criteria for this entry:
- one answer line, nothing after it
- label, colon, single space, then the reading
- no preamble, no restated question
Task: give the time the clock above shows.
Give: 2:04
